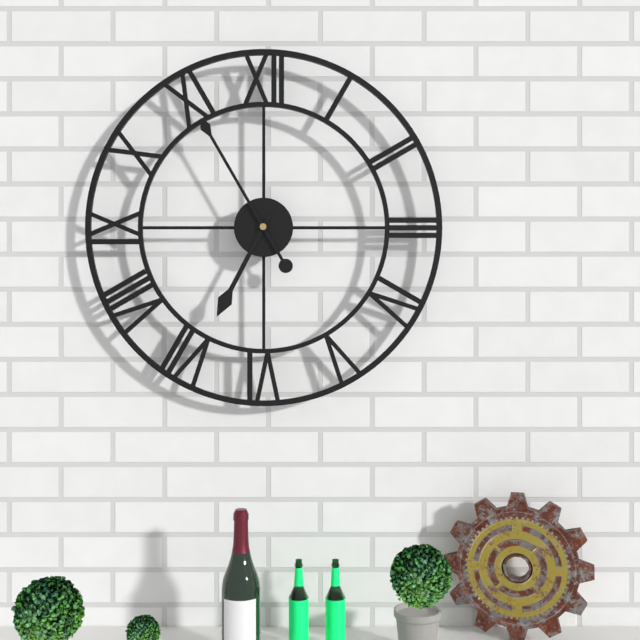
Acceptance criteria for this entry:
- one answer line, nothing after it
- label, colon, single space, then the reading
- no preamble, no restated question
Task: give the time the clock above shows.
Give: 6:55
